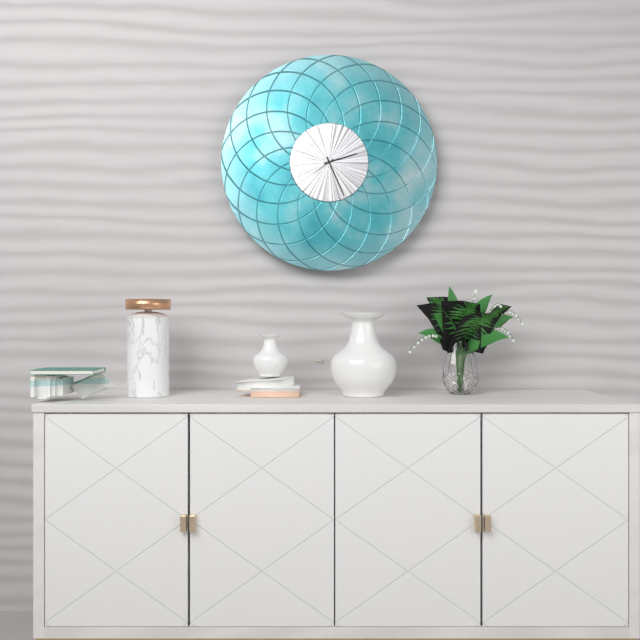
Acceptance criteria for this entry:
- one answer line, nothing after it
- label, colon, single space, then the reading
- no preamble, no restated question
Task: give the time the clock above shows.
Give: 2:26
